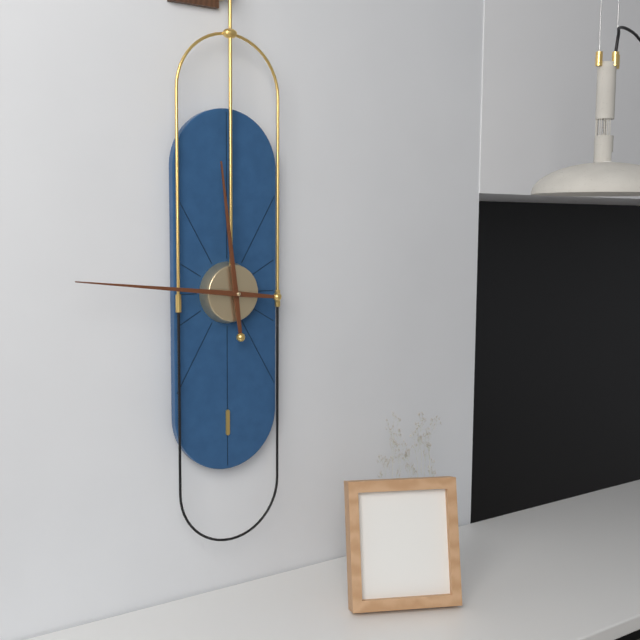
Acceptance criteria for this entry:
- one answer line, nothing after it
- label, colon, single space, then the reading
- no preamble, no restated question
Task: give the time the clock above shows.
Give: 11:46
